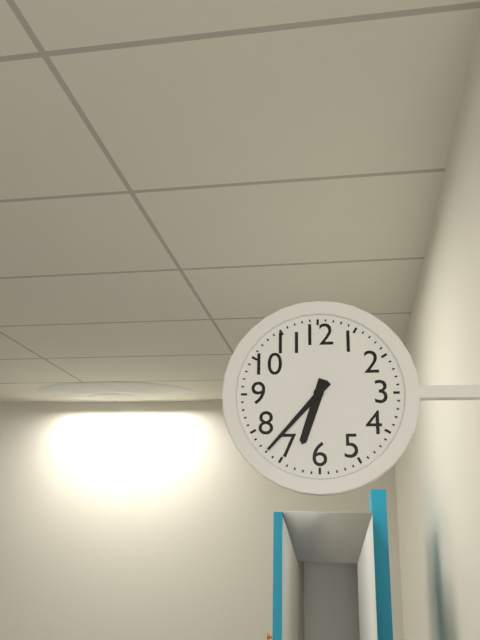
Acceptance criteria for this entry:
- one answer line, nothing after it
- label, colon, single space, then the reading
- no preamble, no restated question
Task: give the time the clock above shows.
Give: 6:37
